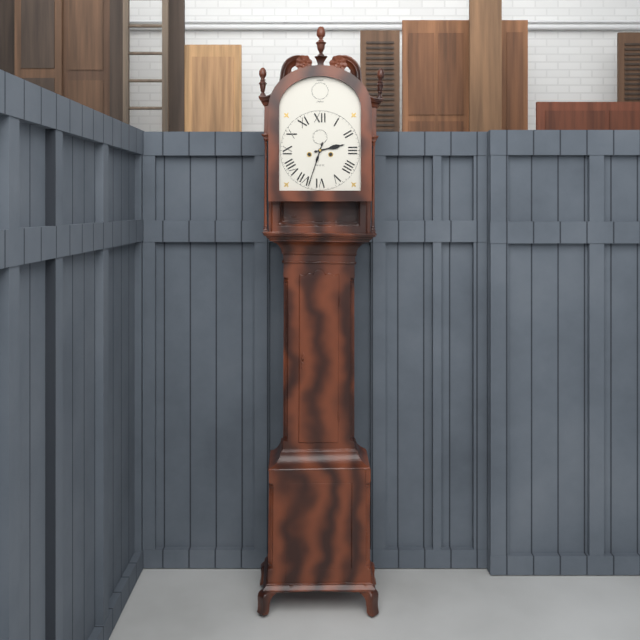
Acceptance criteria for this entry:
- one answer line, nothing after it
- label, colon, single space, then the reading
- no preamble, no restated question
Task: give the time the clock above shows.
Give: 2:33
